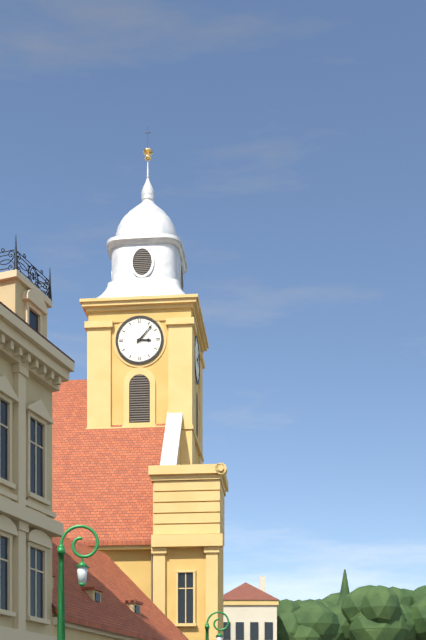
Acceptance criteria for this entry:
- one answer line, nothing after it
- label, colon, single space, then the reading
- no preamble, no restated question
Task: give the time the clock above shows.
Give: 3:07
